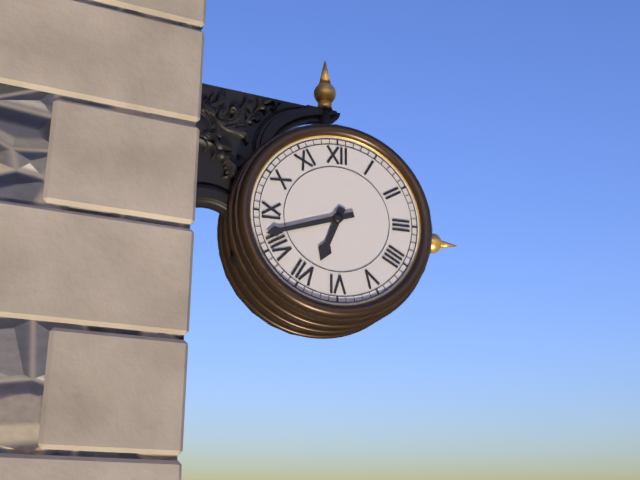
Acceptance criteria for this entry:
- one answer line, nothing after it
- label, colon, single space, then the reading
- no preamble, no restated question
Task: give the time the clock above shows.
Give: 6:42
